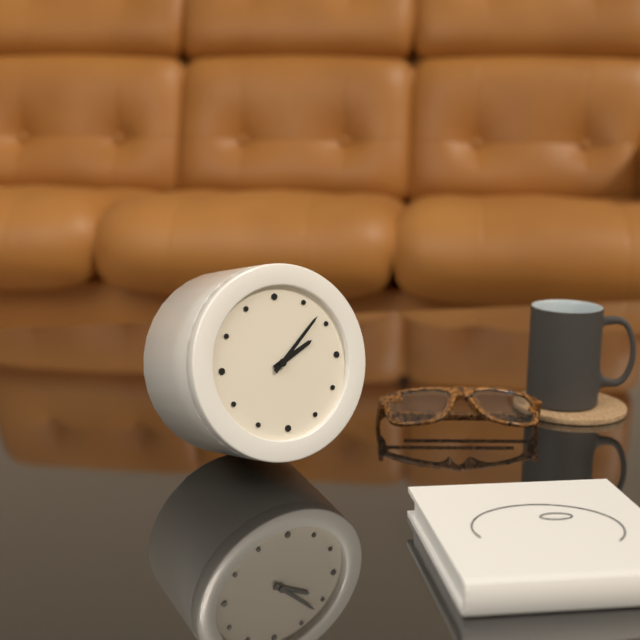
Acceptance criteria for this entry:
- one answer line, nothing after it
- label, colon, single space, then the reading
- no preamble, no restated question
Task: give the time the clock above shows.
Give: 2:08
